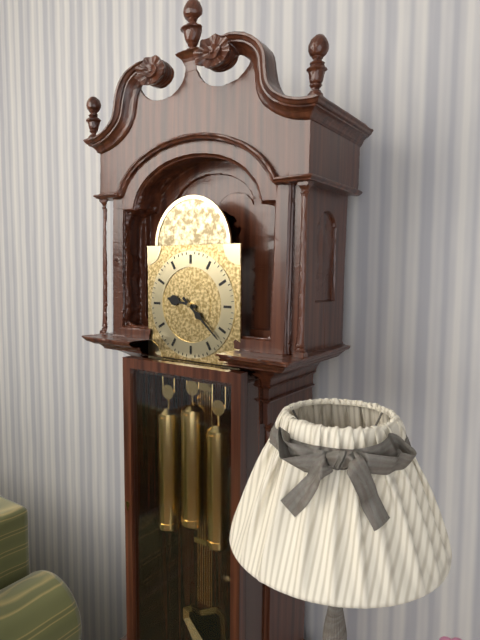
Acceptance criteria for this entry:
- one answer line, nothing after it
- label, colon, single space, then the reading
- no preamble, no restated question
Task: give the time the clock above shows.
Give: 9:22
